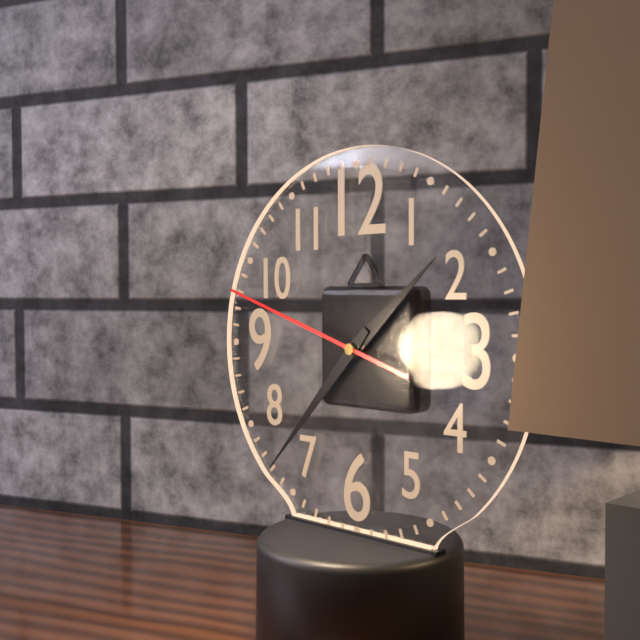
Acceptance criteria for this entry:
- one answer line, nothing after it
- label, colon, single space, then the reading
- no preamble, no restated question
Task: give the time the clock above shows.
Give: 1:37:48
